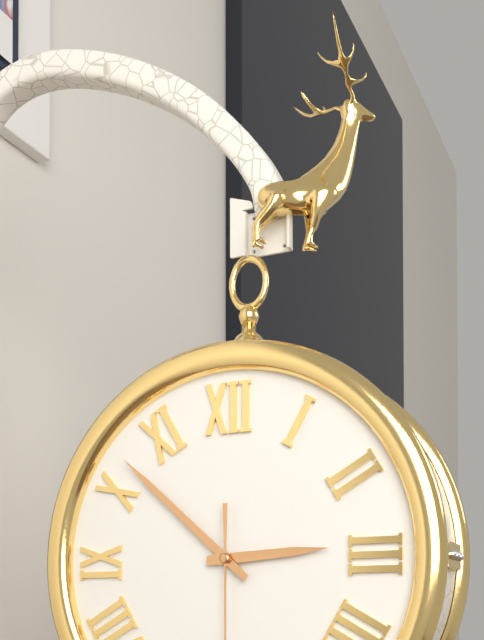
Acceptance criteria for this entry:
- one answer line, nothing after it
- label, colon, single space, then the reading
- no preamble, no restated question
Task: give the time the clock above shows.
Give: 2:52
